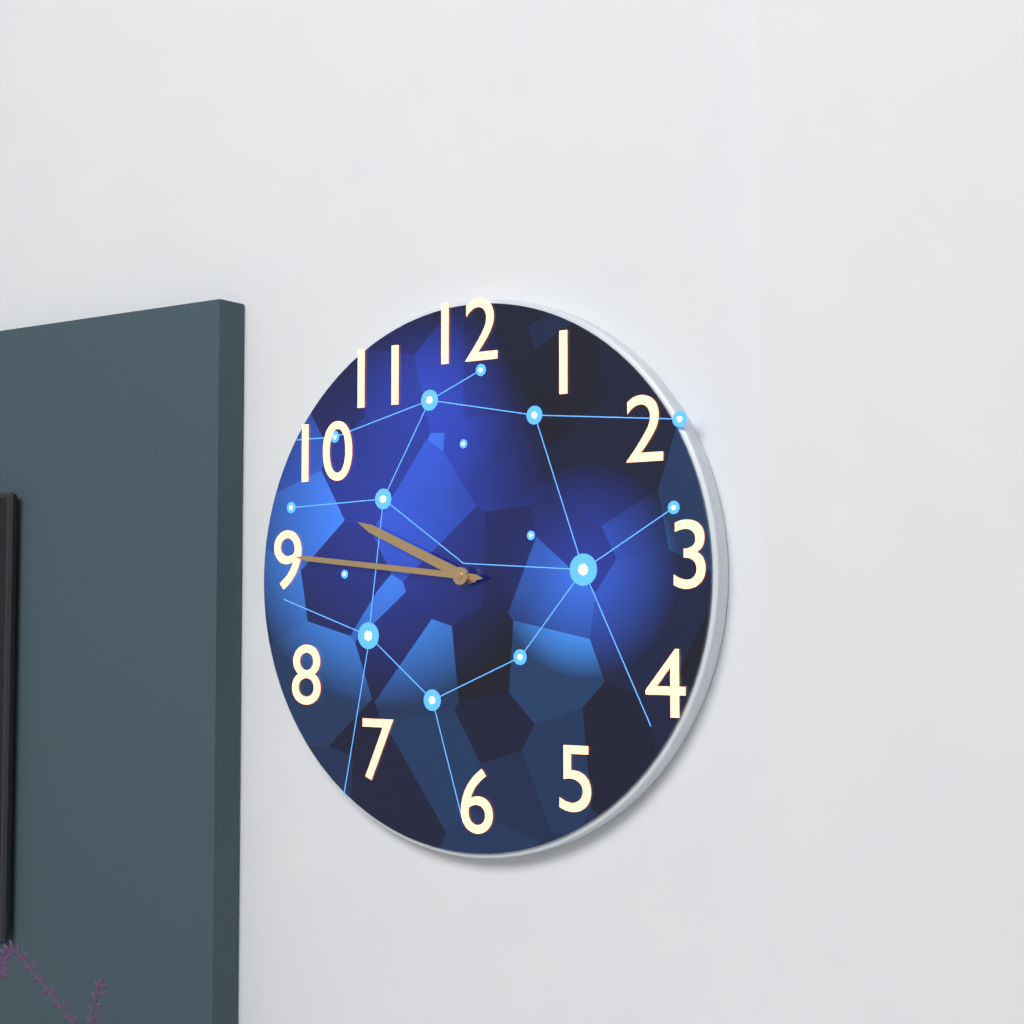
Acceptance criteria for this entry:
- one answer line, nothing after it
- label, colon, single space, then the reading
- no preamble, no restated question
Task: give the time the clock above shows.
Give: 9:46
